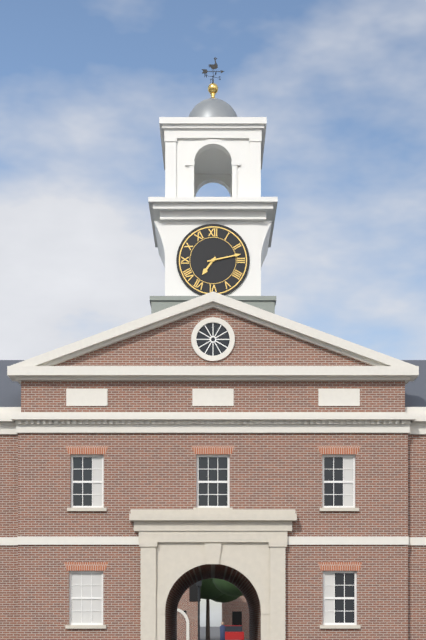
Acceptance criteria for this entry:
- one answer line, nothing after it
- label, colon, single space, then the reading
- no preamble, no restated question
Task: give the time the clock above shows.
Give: 7:13
